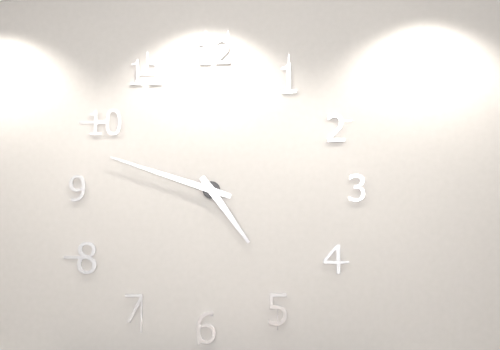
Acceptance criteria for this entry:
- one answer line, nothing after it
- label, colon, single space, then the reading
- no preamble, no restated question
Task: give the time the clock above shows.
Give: 4:48
